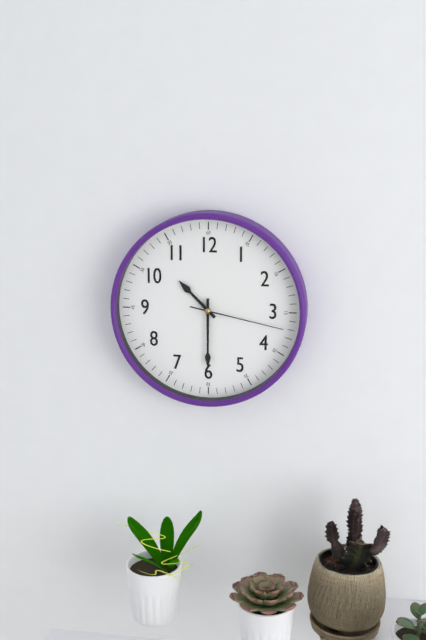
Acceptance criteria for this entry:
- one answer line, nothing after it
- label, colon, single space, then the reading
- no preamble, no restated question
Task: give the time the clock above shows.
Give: 10:30:17
